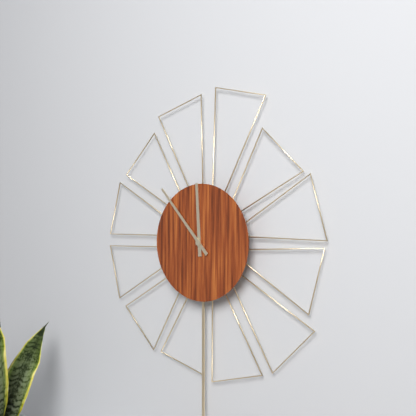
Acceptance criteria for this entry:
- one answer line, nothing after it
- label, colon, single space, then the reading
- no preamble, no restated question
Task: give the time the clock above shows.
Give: 11:53
